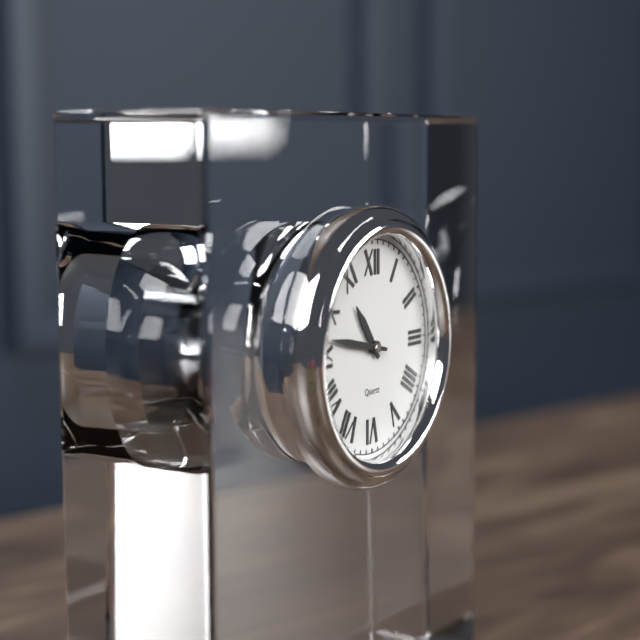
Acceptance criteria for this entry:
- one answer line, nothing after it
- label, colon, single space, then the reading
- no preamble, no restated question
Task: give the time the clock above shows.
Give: 10:47
